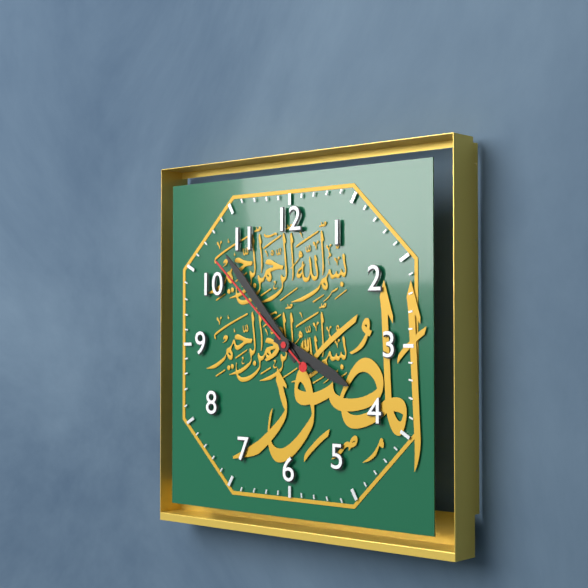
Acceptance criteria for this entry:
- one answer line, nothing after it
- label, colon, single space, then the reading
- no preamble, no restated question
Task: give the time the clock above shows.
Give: 3:53:52
